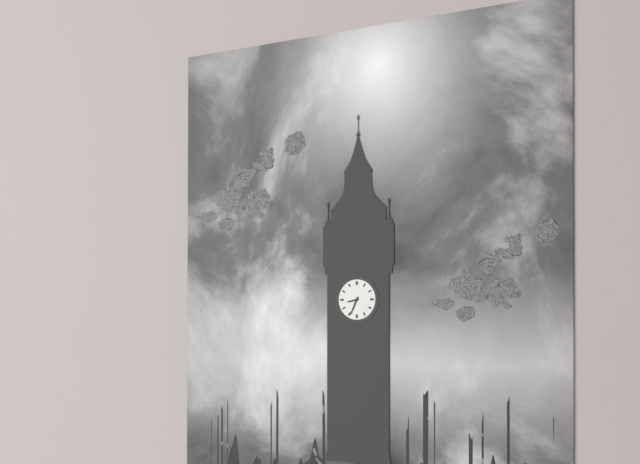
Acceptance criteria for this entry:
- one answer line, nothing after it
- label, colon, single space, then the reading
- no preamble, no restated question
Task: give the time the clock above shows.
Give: 8:34
